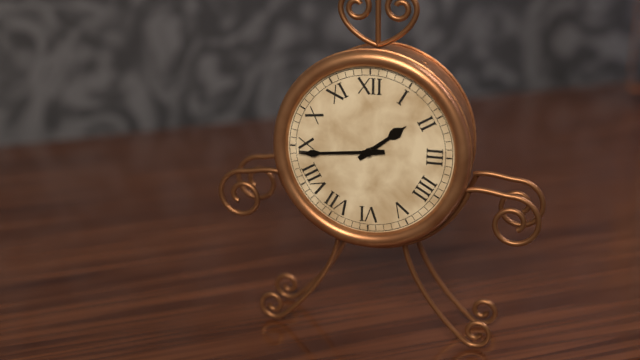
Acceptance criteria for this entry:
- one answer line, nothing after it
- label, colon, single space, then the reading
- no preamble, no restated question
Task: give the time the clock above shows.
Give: 1:44
